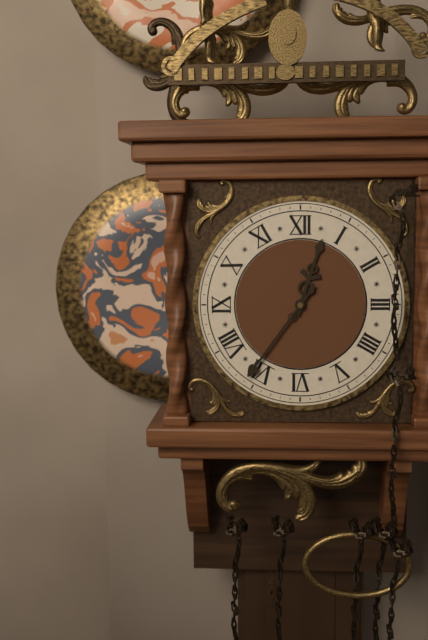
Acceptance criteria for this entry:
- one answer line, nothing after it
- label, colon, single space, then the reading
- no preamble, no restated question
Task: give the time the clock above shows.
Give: 12:36
